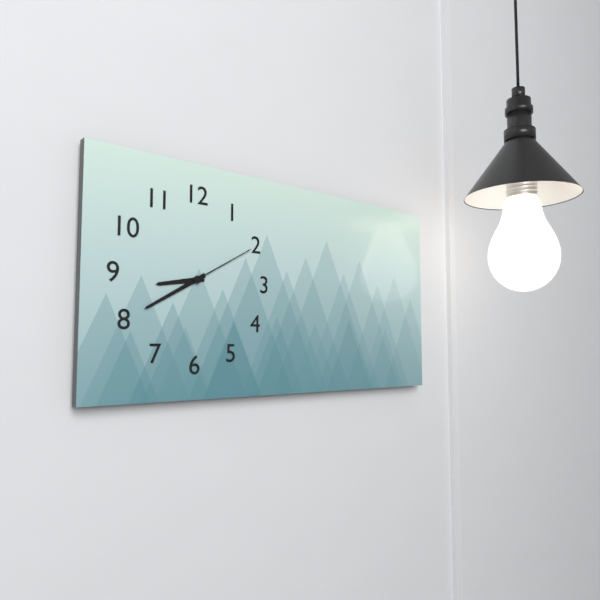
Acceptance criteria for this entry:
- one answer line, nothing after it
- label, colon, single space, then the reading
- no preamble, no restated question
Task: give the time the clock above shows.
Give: 8:40:10
